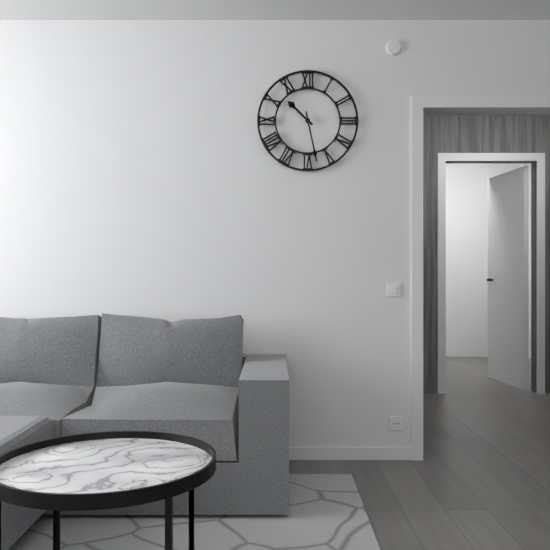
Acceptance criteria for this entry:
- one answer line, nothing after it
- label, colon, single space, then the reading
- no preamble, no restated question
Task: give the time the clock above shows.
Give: 10:28
